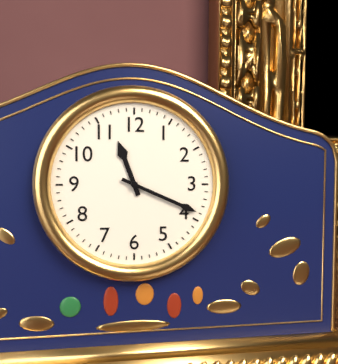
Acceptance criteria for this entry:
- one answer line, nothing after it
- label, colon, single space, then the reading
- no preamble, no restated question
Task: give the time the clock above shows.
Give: 11:19
